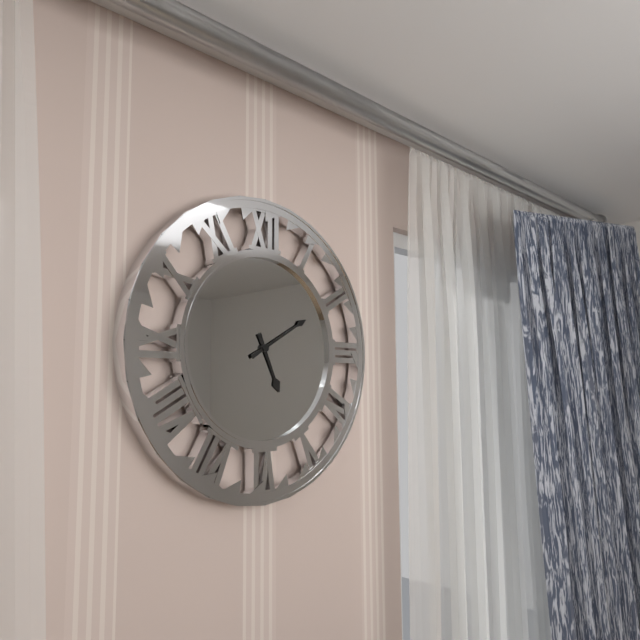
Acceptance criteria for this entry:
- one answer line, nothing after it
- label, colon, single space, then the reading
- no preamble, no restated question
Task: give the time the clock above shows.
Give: 5:10
